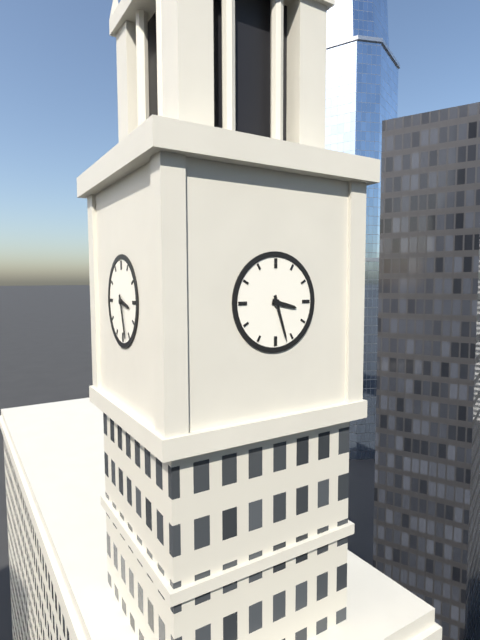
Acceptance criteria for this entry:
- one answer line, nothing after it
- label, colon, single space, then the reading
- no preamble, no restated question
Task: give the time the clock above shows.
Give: 3:27
